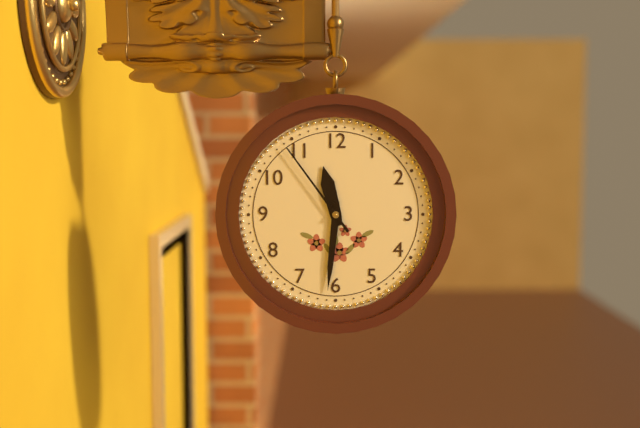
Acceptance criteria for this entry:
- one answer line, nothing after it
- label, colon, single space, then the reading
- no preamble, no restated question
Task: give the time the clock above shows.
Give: 11:31:54
